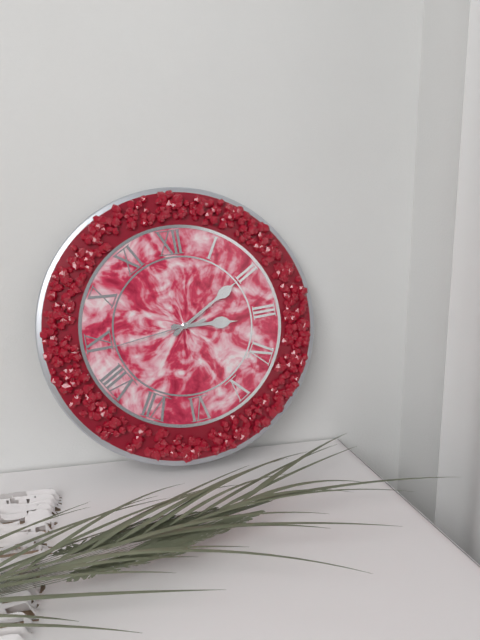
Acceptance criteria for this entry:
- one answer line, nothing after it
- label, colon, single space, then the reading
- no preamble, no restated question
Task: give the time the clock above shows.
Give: 3:10:44
